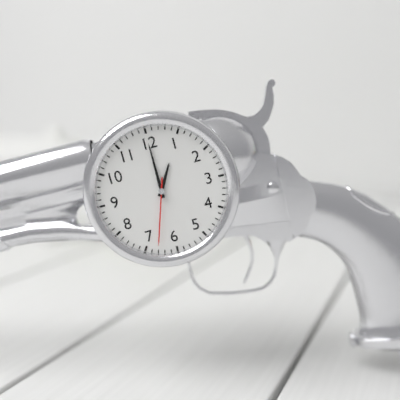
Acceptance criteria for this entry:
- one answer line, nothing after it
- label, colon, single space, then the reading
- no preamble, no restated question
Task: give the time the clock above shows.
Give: 1:00:33
